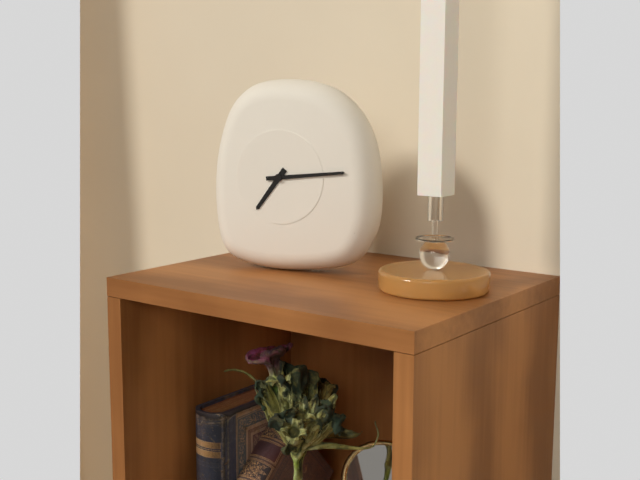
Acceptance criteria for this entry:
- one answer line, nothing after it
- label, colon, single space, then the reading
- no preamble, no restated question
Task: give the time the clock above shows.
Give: 7:14
